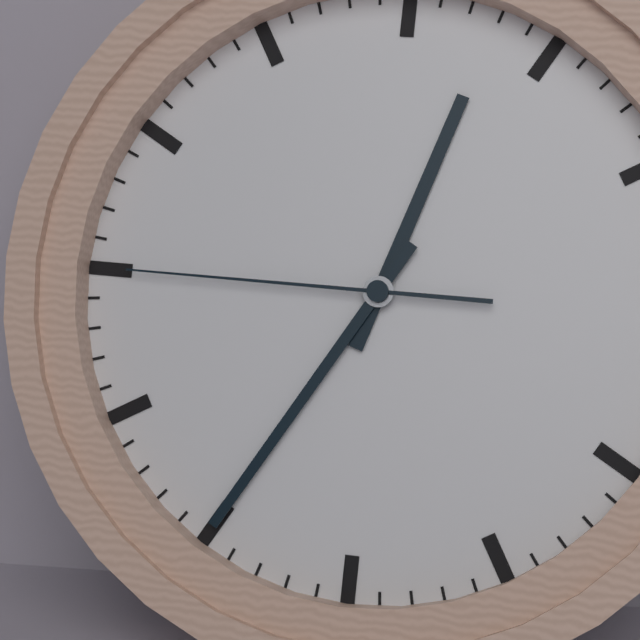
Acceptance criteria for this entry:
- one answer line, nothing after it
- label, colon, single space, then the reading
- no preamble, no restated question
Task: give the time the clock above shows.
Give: 12:35:45
